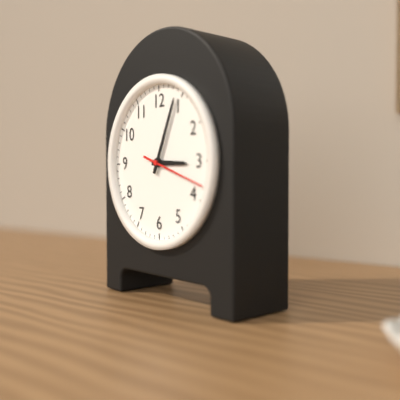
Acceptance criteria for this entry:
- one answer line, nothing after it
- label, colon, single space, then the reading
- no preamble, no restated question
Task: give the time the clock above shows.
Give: 3:04
